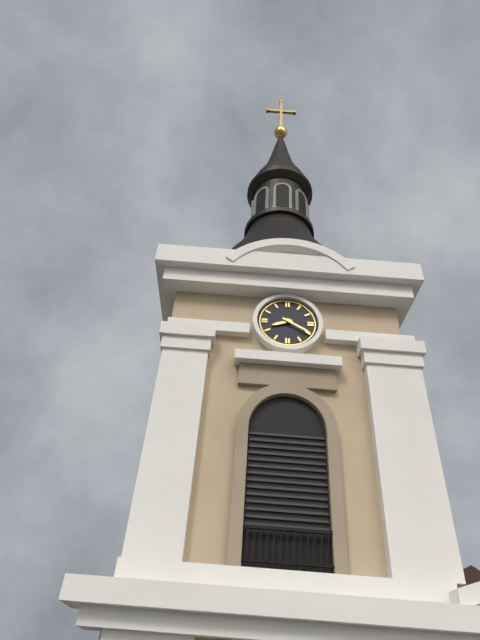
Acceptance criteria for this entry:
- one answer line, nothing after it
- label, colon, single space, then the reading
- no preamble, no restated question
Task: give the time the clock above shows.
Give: 8:20
